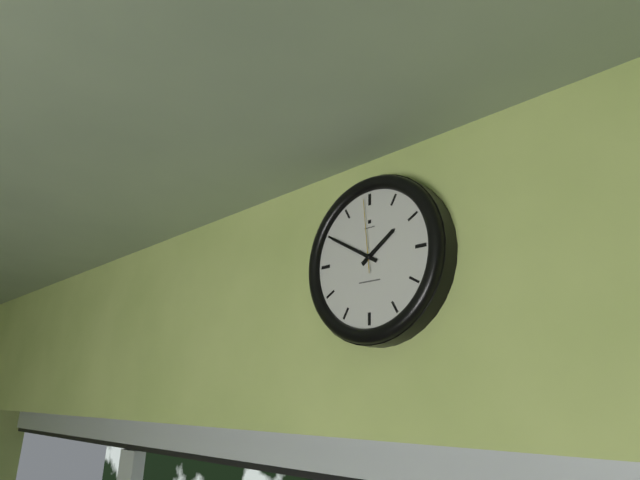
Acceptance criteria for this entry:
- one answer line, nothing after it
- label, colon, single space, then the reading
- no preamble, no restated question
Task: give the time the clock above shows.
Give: 1:50:59
